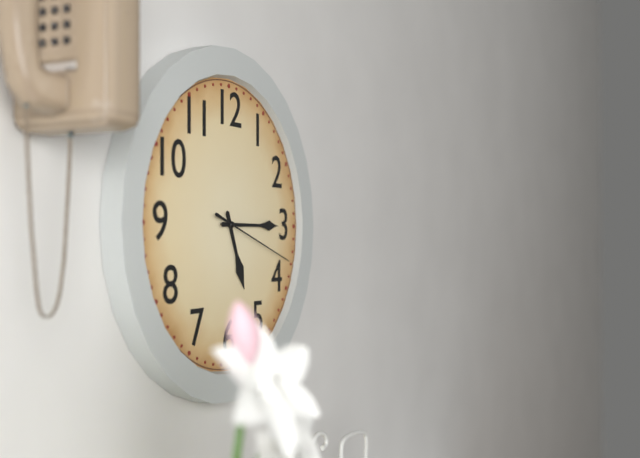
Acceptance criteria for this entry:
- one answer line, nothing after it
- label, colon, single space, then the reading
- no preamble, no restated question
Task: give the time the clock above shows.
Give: 5:15:18
